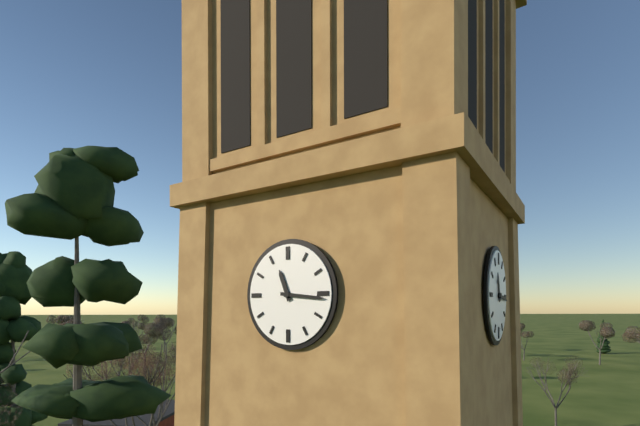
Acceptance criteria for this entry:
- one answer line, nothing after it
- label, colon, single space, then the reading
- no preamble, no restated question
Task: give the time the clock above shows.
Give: 11:16
